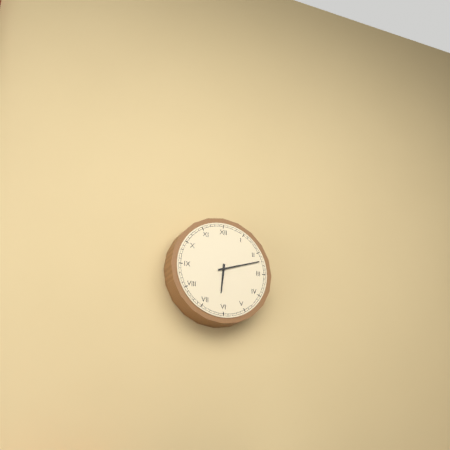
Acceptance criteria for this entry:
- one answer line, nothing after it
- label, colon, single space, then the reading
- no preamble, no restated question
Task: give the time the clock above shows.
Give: 6:12
